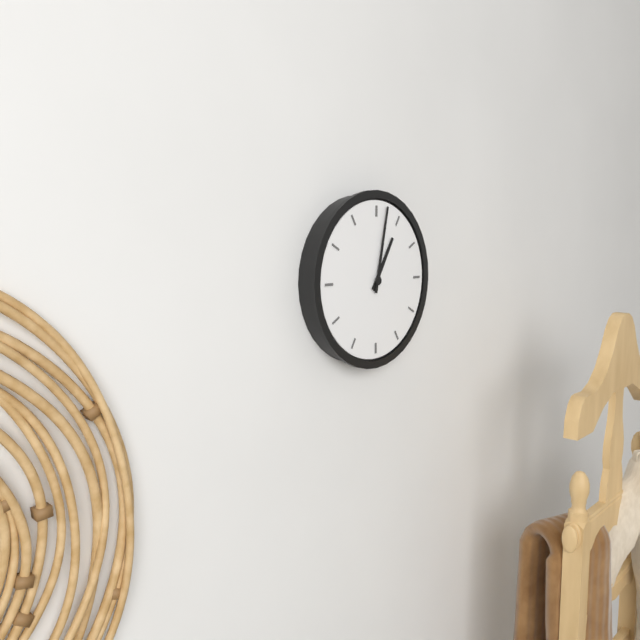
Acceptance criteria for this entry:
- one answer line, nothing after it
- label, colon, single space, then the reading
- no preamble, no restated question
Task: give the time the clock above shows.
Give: 1:02
